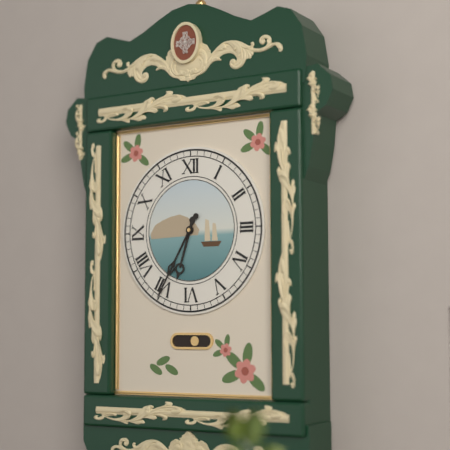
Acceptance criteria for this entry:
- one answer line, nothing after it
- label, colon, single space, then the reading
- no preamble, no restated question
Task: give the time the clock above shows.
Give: 6:35
